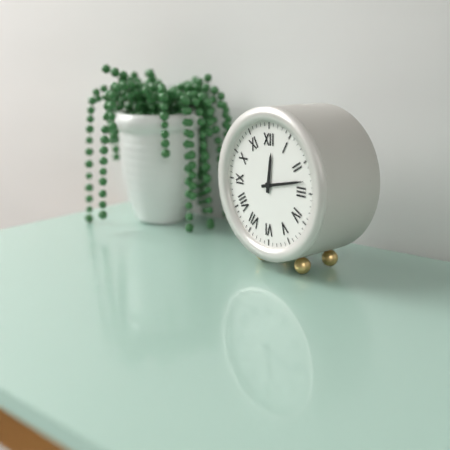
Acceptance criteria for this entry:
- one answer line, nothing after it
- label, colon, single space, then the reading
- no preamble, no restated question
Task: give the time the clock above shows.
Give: 12:13
